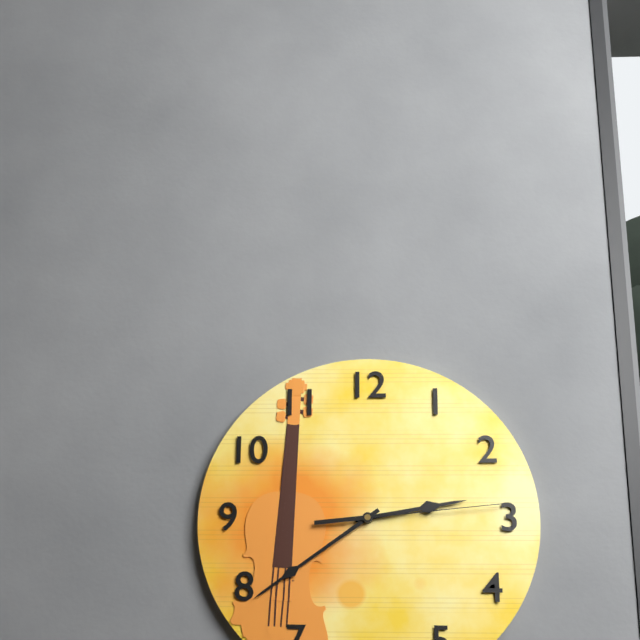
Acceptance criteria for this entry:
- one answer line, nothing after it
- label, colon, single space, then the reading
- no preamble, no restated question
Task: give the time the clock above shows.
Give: 2:39:14
